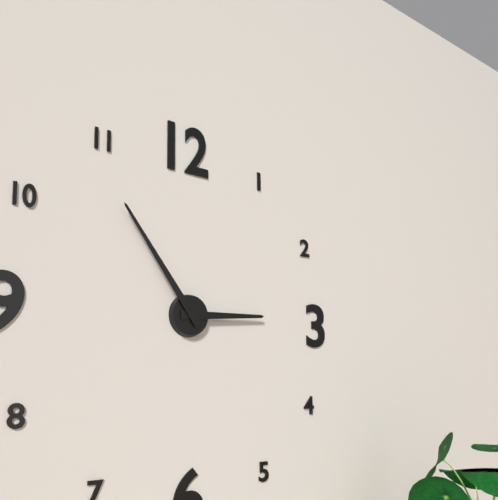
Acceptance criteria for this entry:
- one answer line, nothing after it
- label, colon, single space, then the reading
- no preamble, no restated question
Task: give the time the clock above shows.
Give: 2:54
